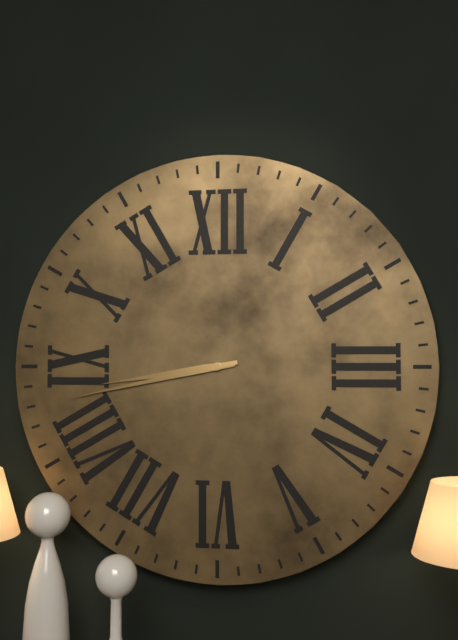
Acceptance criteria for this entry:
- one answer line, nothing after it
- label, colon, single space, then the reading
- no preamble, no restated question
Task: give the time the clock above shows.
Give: 8:43
